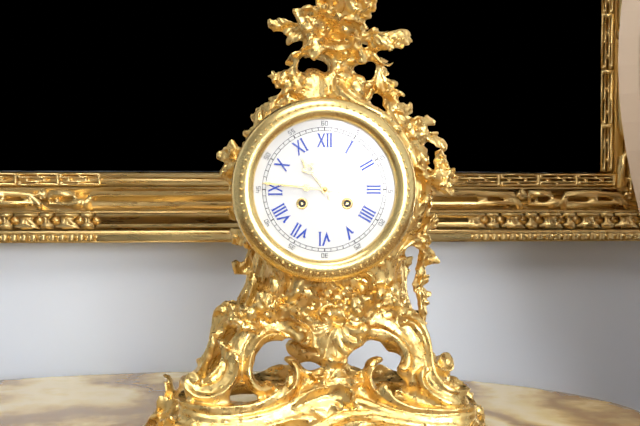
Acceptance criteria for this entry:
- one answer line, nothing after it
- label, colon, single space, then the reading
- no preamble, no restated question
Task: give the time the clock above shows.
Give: 10:46
